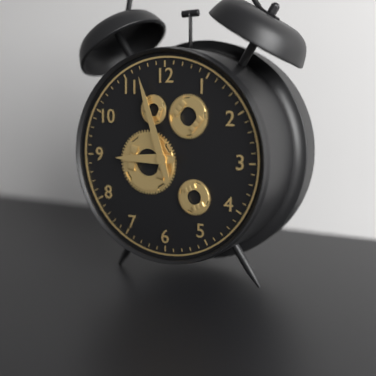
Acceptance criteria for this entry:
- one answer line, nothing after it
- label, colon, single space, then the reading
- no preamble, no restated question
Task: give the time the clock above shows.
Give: 8:57
